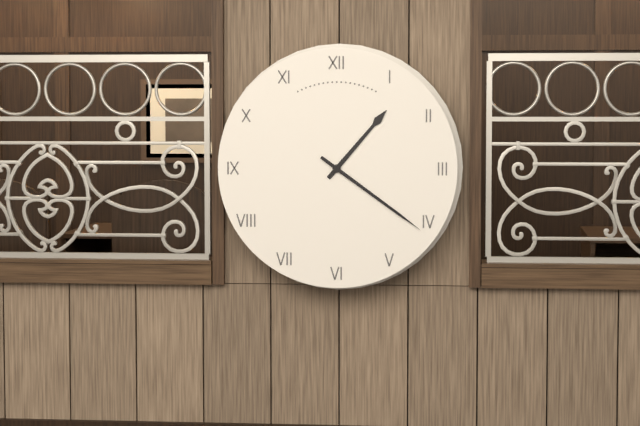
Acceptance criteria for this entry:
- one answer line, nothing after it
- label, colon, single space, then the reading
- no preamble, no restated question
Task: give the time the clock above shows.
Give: 1:21
